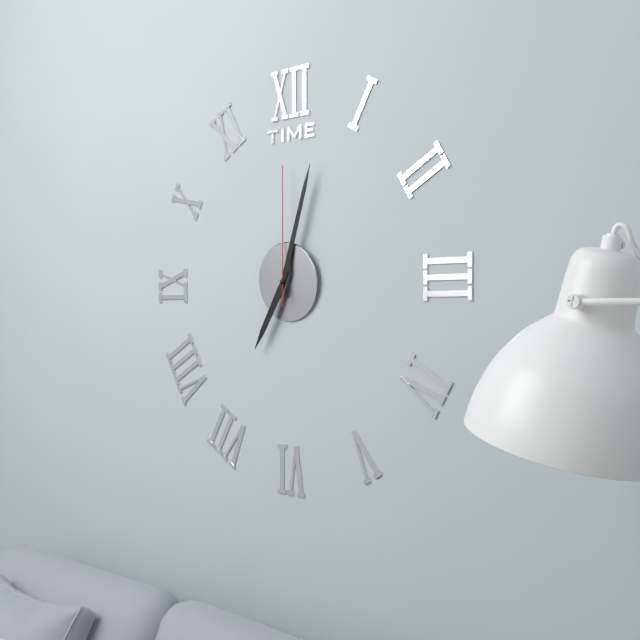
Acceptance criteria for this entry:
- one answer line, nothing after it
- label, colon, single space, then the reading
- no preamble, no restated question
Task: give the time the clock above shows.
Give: 7:03:00
